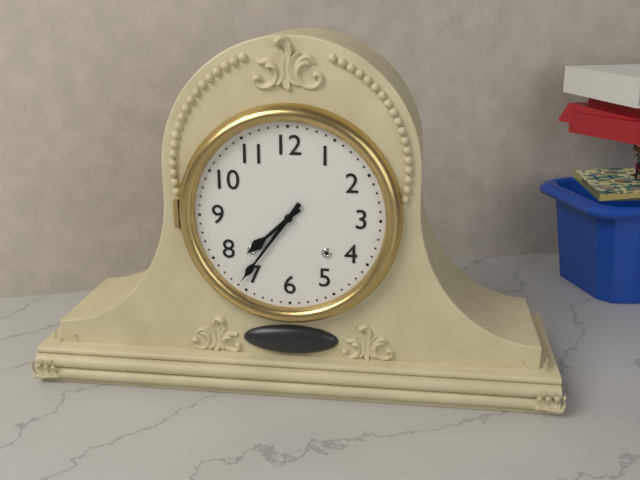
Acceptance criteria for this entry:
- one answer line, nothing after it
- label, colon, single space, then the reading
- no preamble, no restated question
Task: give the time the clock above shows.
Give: 7:36
